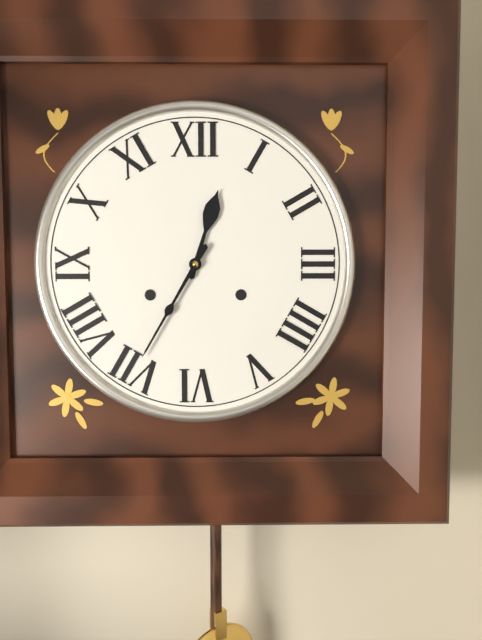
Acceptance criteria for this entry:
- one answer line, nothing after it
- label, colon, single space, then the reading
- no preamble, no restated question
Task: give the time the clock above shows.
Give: 12:35
